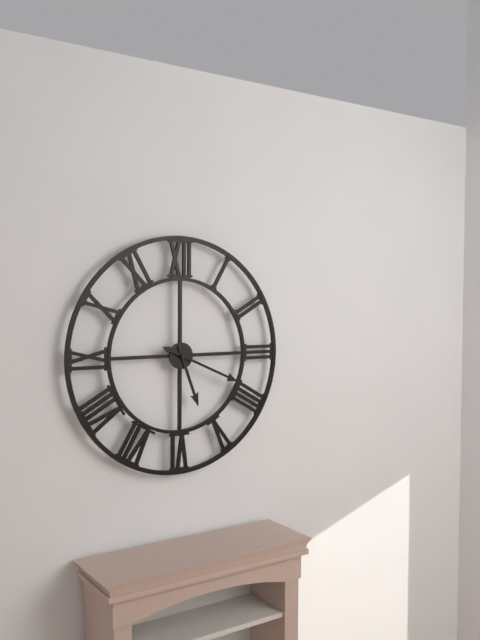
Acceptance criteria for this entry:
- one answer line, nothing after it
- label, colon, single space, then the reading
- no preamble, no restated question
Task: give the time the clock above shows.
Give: 5:19
